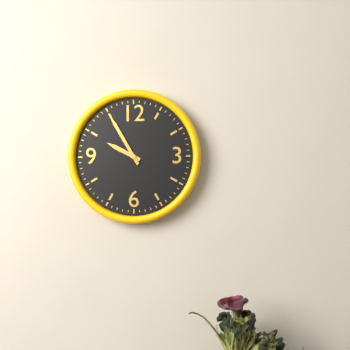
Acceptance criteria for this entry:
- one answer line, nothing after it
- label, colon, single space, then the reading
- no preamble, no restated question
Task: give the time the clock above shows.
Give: 9:55
